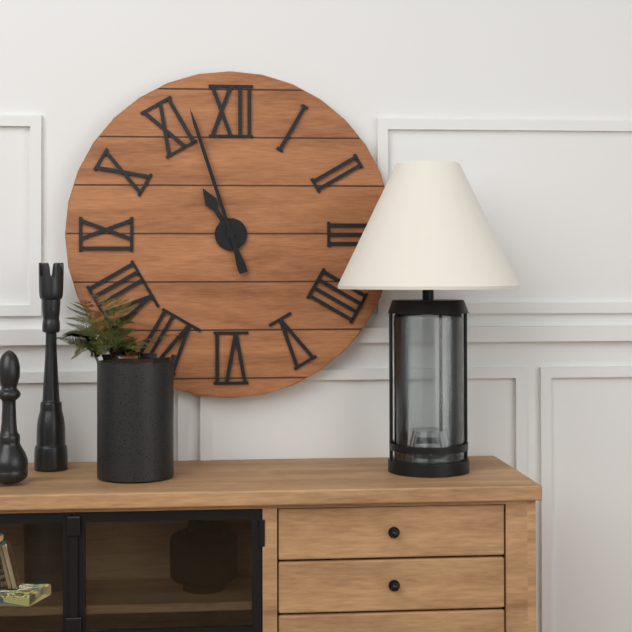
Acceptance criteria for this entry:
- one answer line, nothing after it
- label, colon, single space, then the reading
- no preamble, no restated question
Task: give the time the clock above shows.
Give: 10:57
